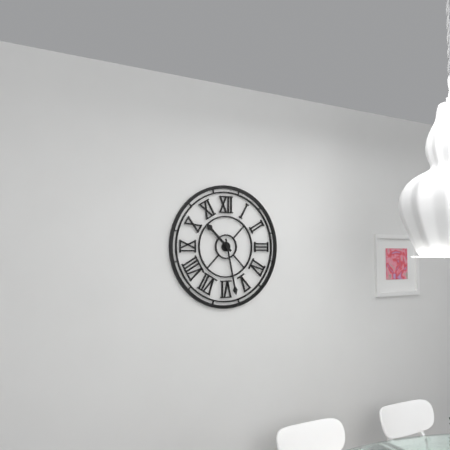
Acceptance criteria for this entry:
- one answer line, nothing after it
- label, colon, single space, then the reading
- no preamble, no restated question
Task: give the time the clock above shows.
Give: 10:28
